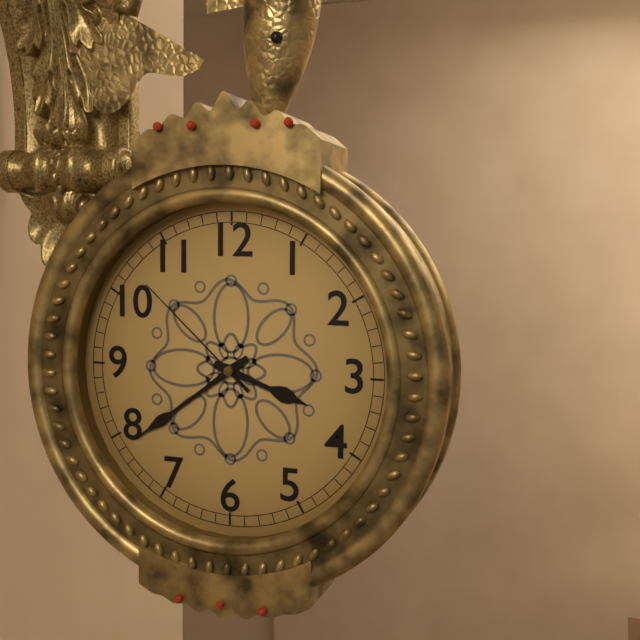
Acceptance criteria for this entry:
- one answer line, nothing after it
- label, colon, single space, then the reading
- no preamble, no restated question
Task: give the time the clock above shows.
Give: 3:39:52
